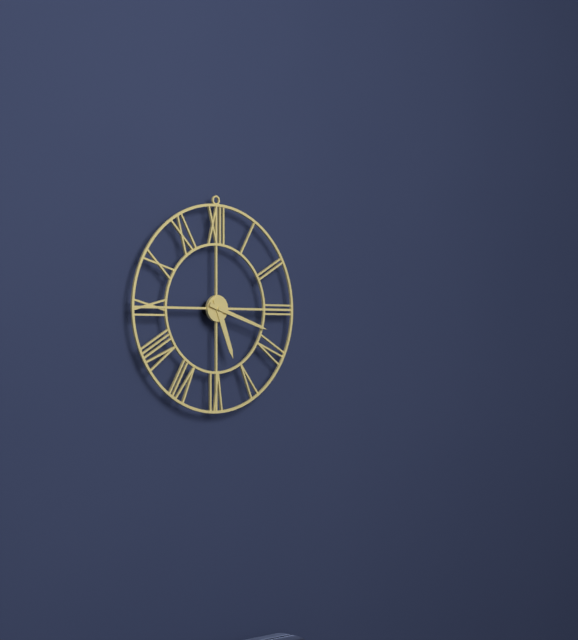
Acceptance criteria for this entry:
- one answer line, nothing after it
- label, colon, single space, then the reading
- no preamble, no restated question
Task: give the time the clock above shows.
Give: 5:18
